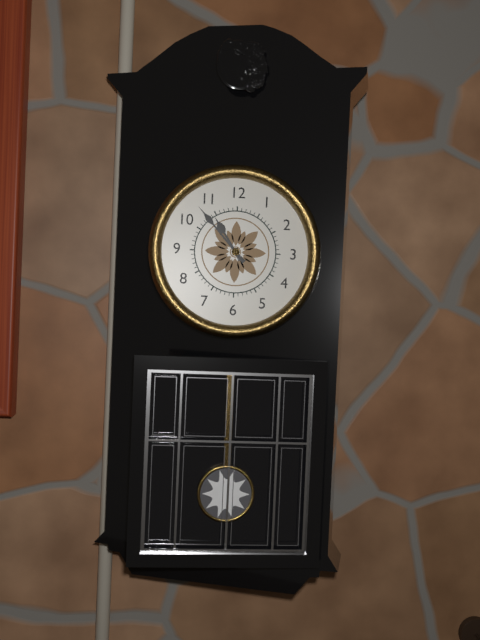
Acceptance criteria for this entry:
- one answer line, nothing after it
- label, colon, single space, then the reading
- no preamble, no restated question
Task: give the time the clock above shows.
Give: 10:53
